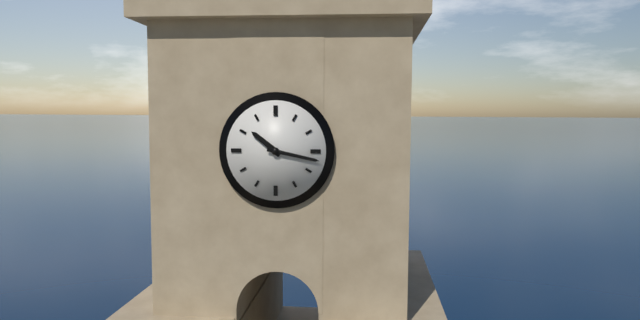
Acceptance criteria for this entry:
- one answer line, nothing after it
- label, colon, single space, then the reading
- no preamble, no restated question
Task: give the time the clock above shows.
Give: 10:17
